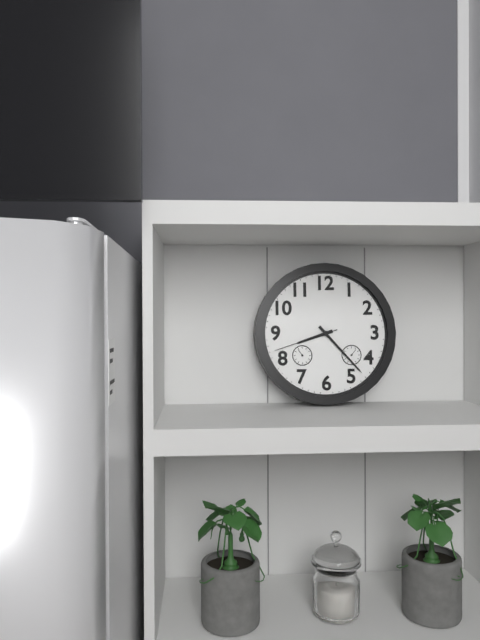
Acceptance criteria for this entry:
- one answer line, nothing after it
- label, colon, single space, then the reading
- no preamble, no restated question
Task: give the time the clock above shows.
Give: 8:23:42
